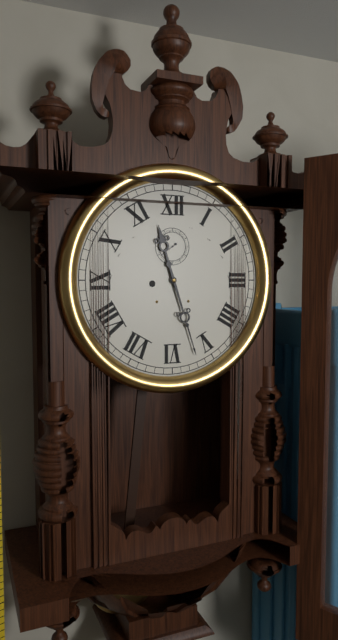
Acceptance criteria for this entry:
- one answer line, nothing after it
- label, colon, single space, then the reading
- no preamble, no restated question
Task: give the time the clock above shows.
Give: 11:27
